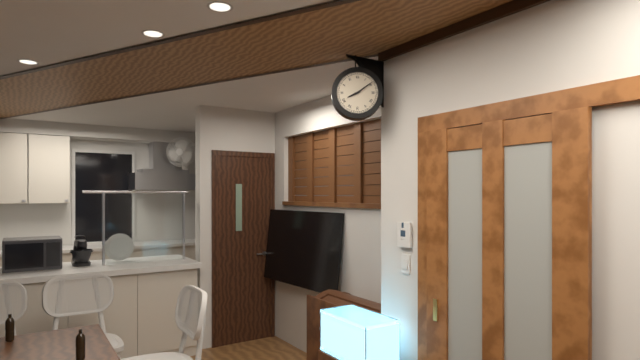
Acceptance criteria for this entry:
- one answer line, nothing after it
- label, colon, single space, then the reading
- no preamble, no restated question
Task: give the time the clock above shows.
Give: 8:09
